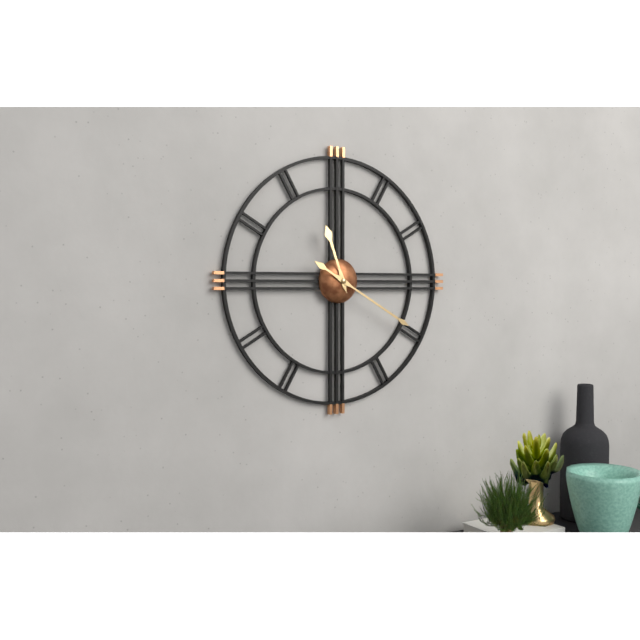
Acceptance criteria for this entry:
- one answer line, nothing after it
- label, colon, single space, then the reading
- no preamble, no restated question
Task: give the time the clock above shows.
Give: 11:20
